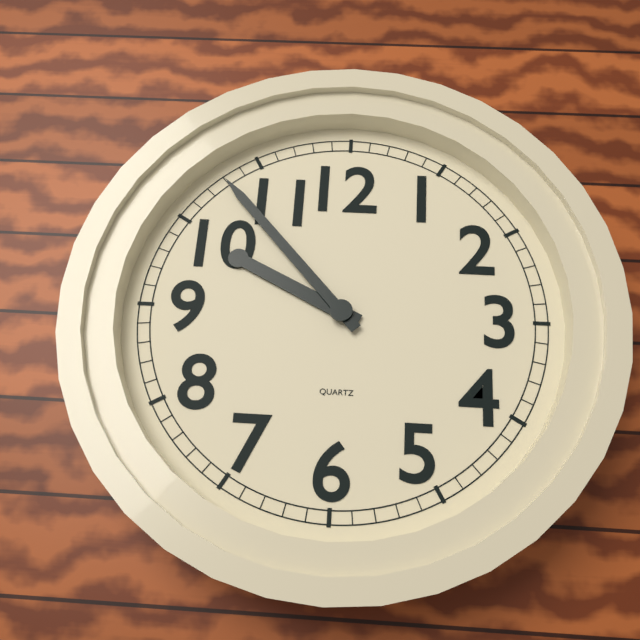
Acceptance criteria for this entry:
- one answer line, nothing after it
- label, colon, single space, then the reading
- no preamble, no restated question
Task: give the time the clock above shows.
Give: 9:53
